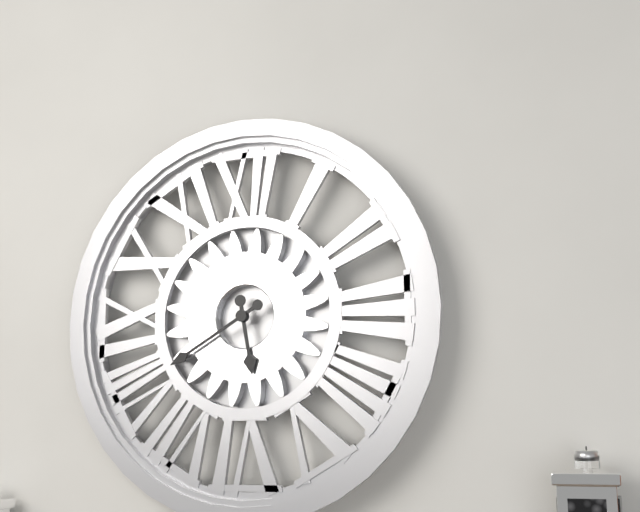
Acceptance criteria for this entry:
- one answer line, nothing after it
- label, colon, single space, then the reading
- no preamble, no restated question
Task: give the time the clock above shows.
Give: 5:40
